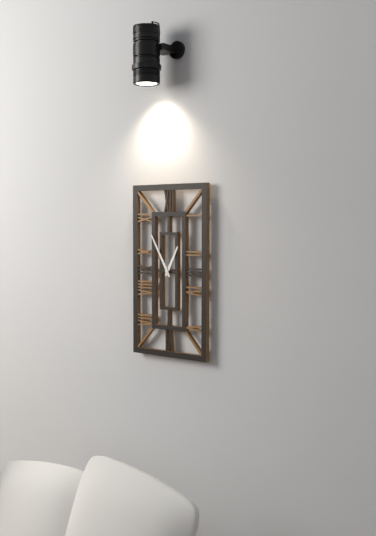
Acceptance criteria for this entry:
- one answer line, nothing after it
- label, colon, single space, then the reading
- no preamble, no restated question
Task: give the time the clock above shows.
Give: 12:55
